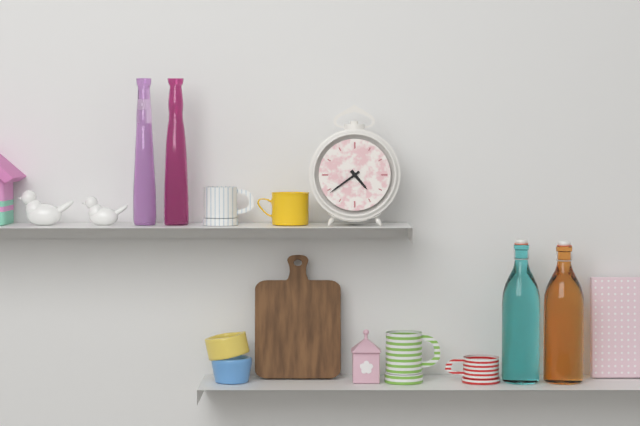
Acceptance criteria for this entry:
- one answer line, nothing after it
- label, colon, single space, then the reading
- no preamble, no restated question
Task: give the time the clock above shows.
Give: 4:39
